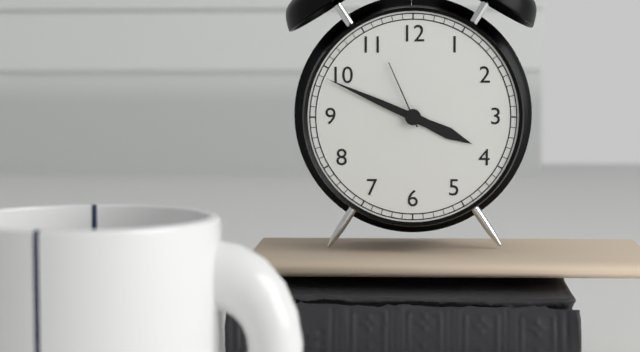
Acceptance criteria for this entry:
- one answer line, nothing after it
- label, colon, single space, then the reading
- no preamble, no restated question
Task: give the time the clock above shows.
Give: 3:49:56
